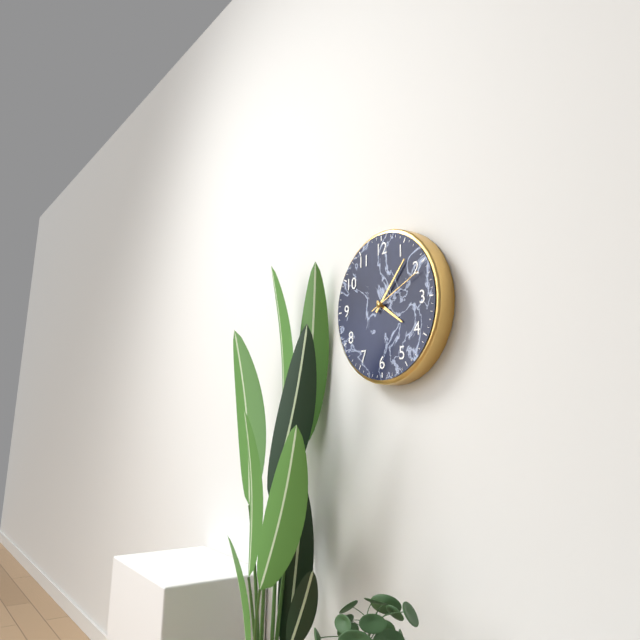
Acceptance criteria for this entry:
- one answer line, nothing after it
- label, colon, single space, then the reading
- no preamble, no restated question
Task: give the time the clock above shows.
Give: 4:07:11
